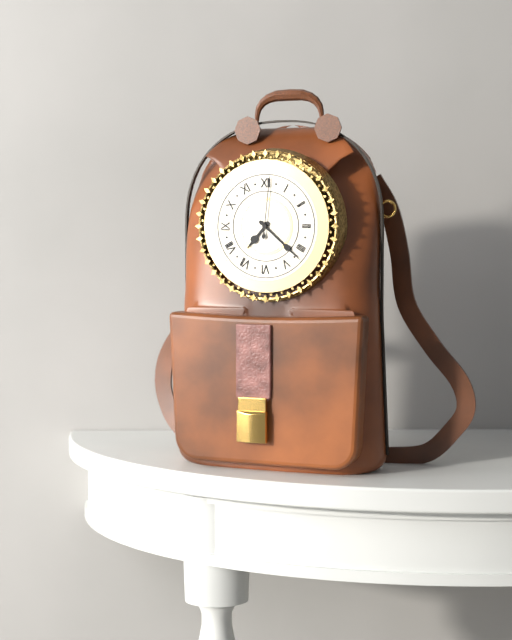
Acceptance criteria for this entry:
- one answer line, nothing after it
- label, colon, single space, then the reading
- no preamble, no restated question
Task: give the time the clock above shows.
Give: 7:22:01
